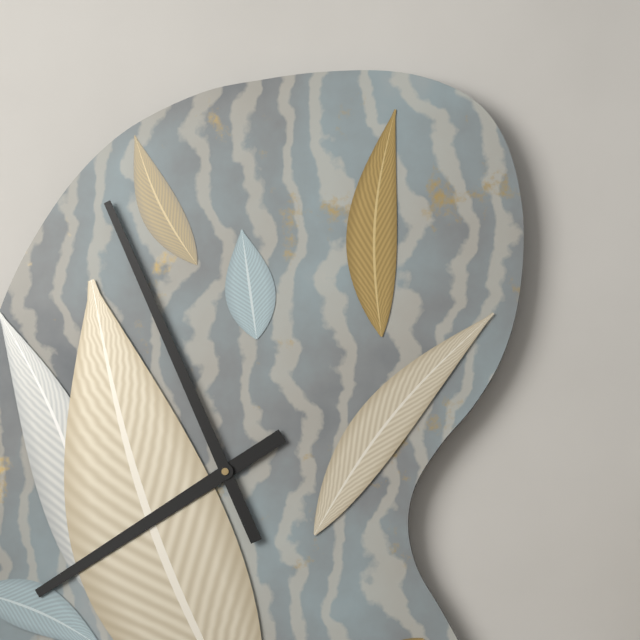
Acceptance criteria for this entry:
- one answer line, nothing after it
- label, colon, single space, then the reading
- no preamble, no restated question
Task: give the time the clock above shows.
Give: 7:56
